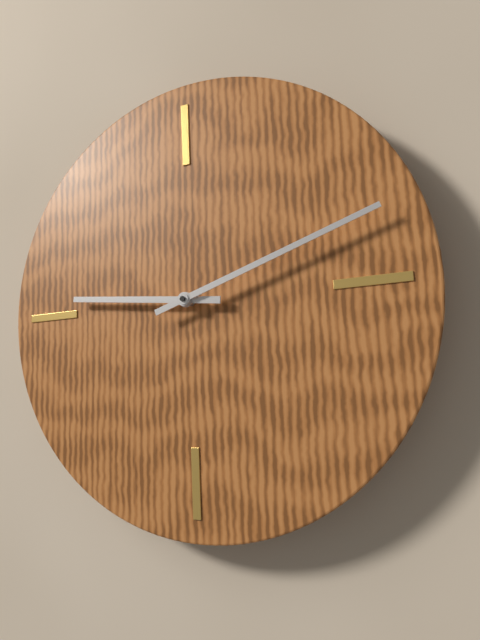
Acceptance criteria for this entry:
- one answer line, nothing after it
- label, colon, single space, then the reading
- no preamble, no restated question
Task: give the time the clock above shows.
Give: 9:12
